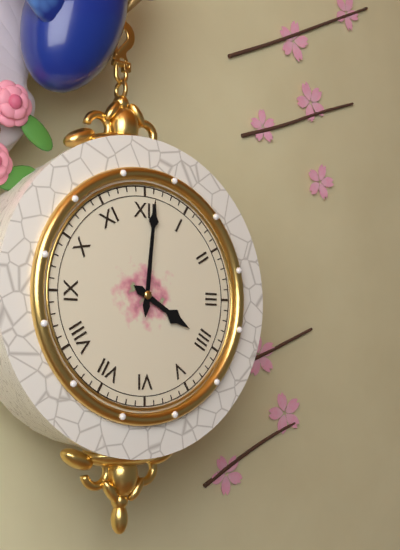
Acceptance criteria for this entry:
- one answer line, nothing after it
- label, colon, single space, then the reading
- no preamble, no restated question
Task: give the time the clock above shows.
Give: 4:01
